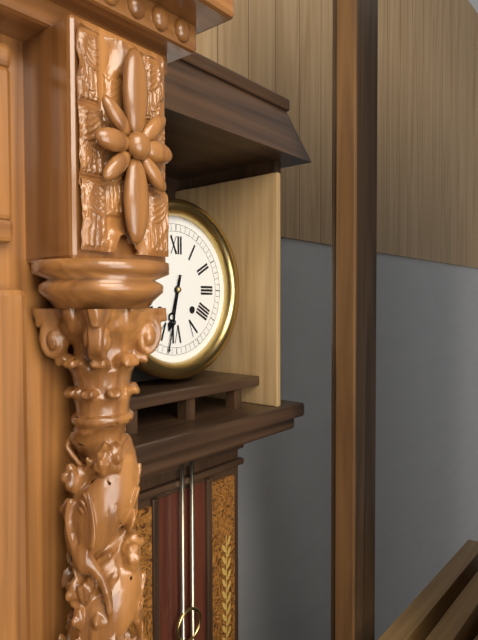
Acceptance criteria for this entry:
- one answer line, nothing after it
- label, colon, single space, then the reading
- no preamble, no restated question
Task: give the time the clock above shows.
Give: 6:32
